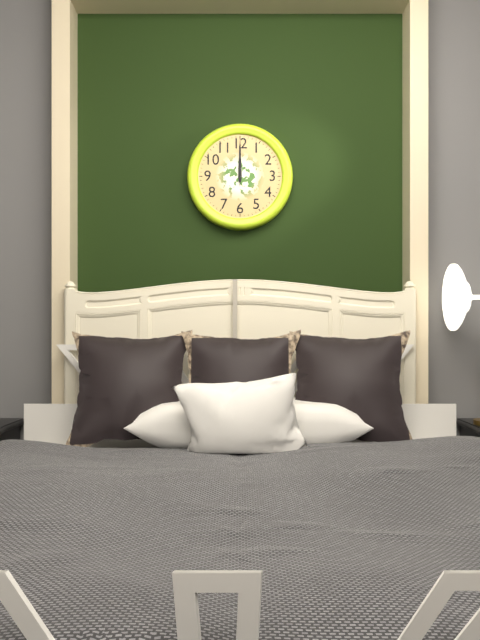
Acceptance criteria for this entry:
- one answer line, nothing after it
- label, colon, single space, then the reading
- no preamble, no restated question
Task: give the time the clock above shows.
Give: 12:00:00
